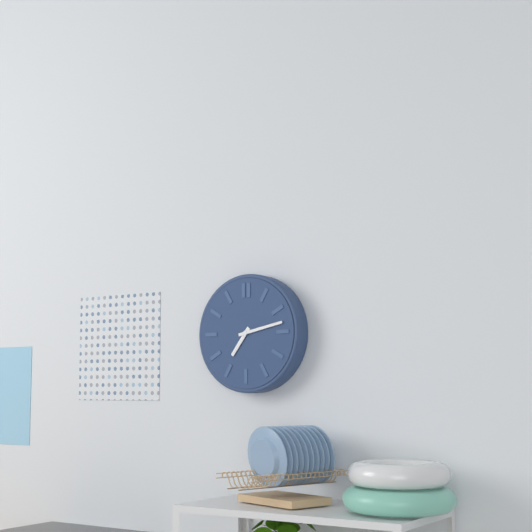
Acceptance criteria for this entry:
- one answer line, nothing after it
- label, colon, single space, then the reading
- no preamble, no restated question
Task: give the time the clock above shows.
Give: 7:13
